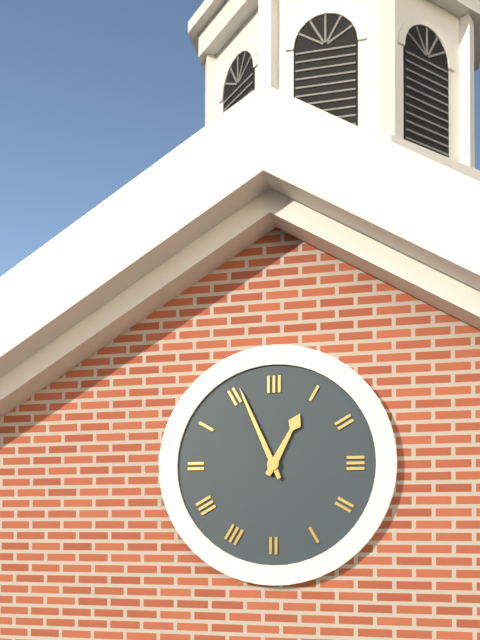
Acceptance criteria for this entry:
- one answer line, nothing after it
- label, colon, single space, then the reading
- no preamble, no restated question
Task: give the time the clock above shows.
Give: 12:56
